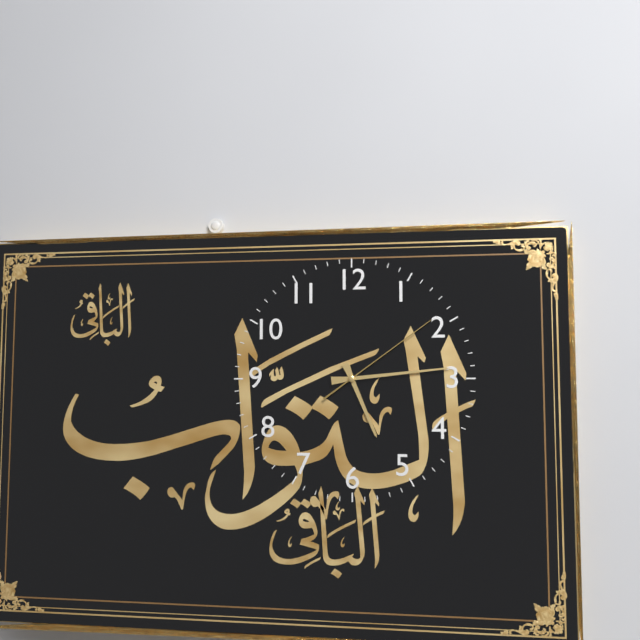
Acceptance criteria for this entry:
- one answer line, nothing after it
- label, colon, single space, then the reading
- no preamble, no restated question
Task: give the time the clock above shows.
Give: 5:14:09
